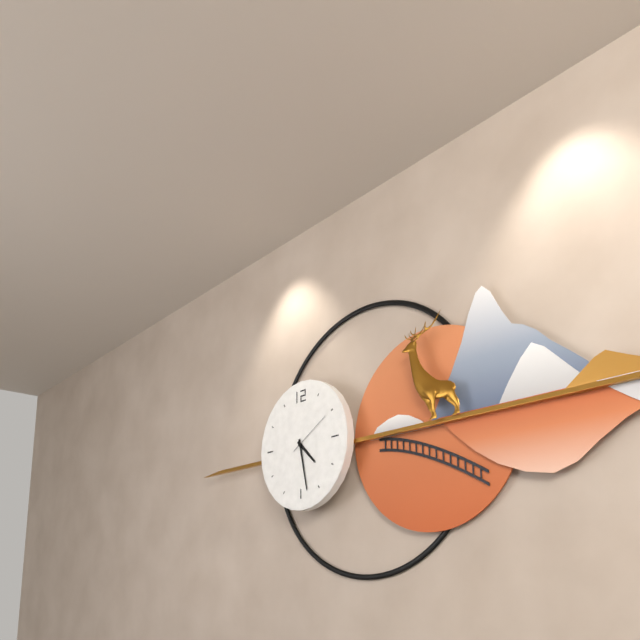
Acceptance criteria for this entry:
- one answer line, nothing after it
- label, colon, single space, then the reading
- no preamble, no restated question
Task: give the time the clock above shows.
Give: 4:28
